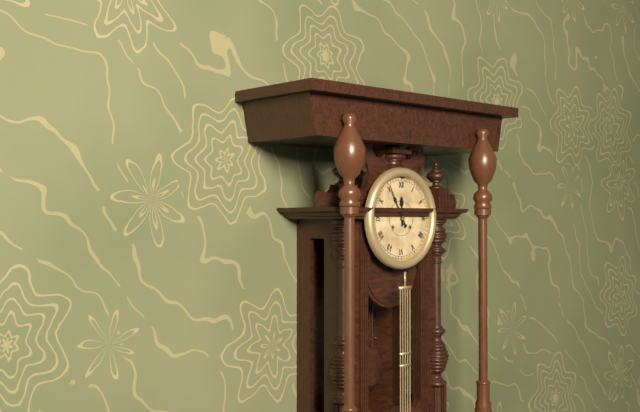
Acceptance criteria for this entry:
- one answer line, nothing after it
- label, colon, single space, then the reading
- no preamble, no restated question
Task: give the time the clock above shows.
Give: 11:55
